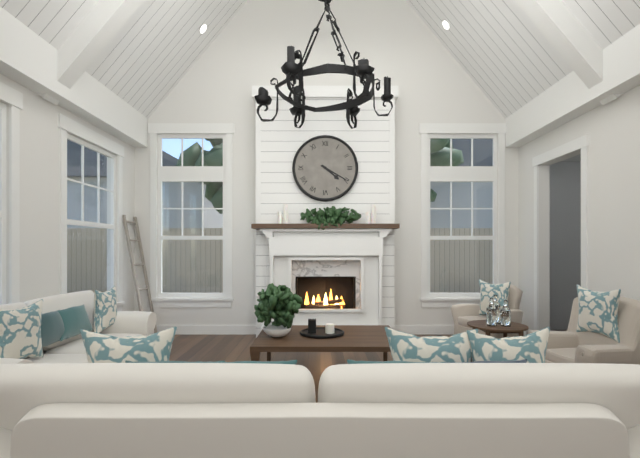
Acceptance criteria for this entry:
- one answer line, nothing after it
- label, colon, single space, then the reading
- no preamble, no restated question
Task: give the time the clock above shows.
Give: 4:20
